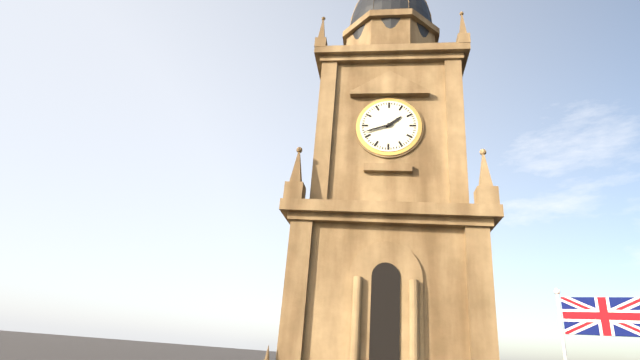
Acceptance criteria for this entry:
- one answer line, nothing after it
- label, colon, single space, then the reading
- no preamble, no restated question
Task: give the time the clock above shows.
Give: 1:42
